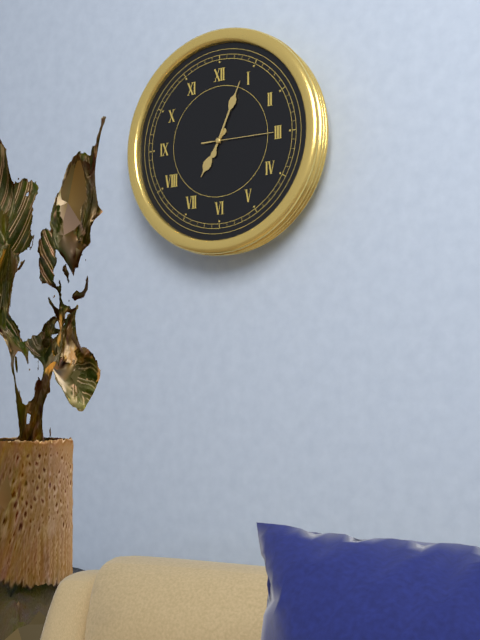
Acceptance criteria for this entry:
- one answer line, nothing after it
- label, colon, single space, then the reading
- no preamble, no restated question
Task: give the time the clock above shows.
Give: 7:04
